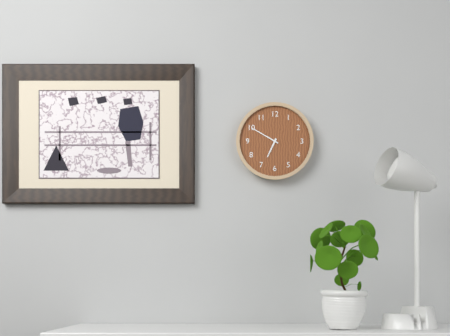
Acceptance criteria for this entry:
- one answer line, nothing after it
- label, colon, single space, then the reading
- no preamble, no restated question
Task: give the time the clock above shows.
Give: 6:50
